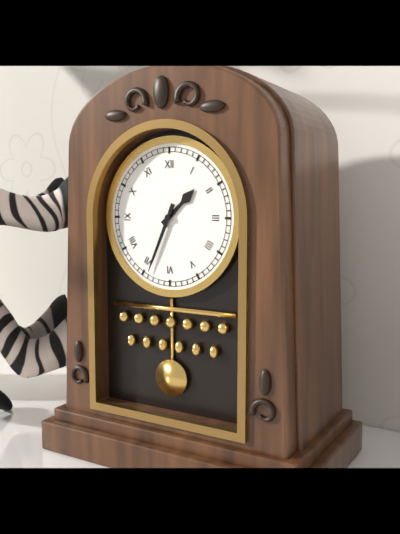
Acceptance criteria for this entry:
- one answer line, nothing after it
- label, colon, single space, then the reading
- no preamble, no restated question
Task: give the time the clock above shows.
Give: 1:34
